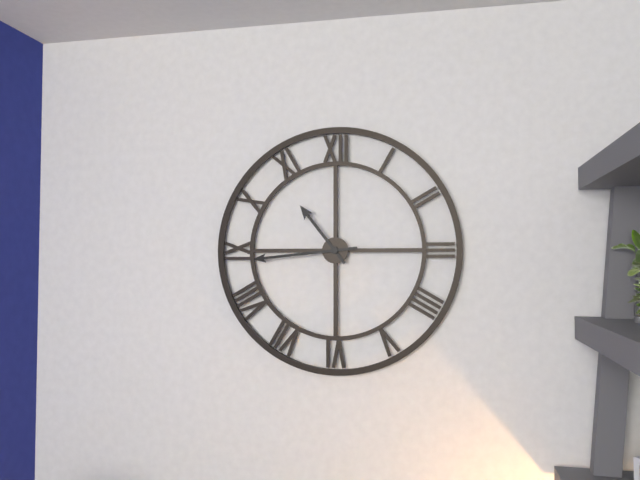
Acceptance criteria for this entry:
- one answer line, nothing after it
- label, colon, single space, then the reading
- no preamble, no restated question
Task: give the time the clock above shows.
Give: 10:44
